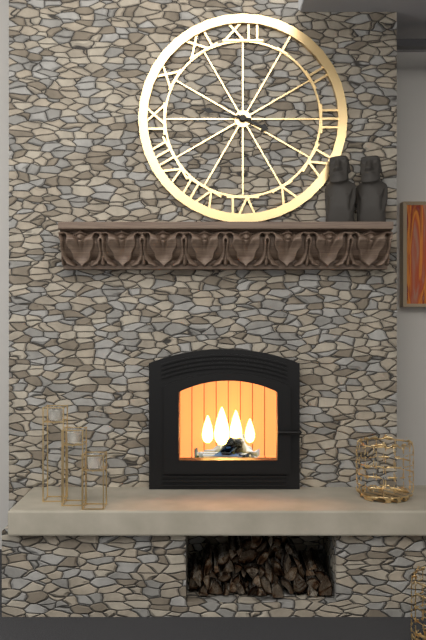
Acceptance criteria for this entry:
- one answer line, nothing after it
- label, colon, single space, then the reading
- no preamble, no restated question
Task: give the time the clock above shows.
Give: 3:47
